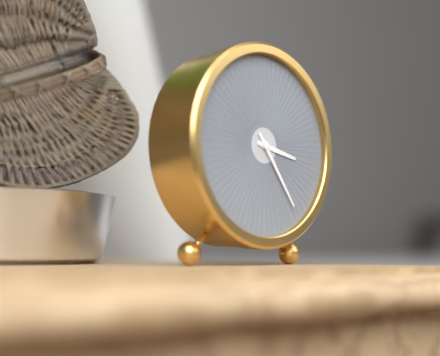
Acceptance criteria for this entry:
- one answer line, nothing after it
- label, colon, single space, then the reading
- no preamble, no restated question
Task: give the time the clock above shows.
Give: 3:24
